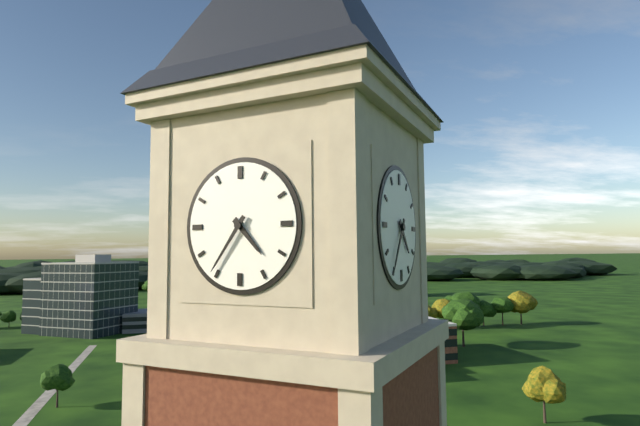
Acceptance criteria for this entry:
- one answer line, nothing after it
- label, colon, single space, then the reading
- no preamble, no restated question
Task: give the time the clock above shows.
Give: 4:36
